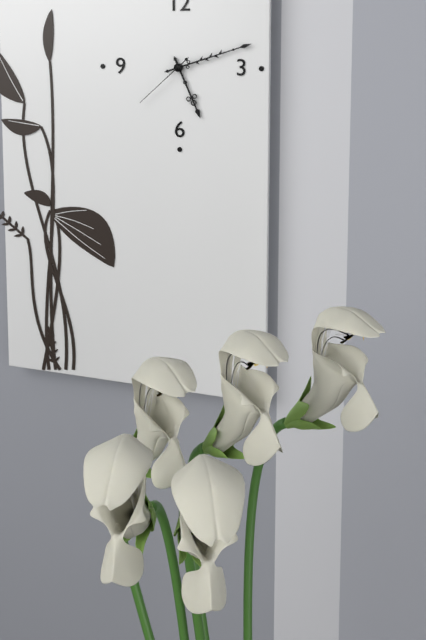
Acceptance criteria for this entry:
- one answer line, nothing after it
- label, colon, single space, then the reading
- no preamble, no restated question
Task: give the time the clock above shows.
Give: 5:12:38
